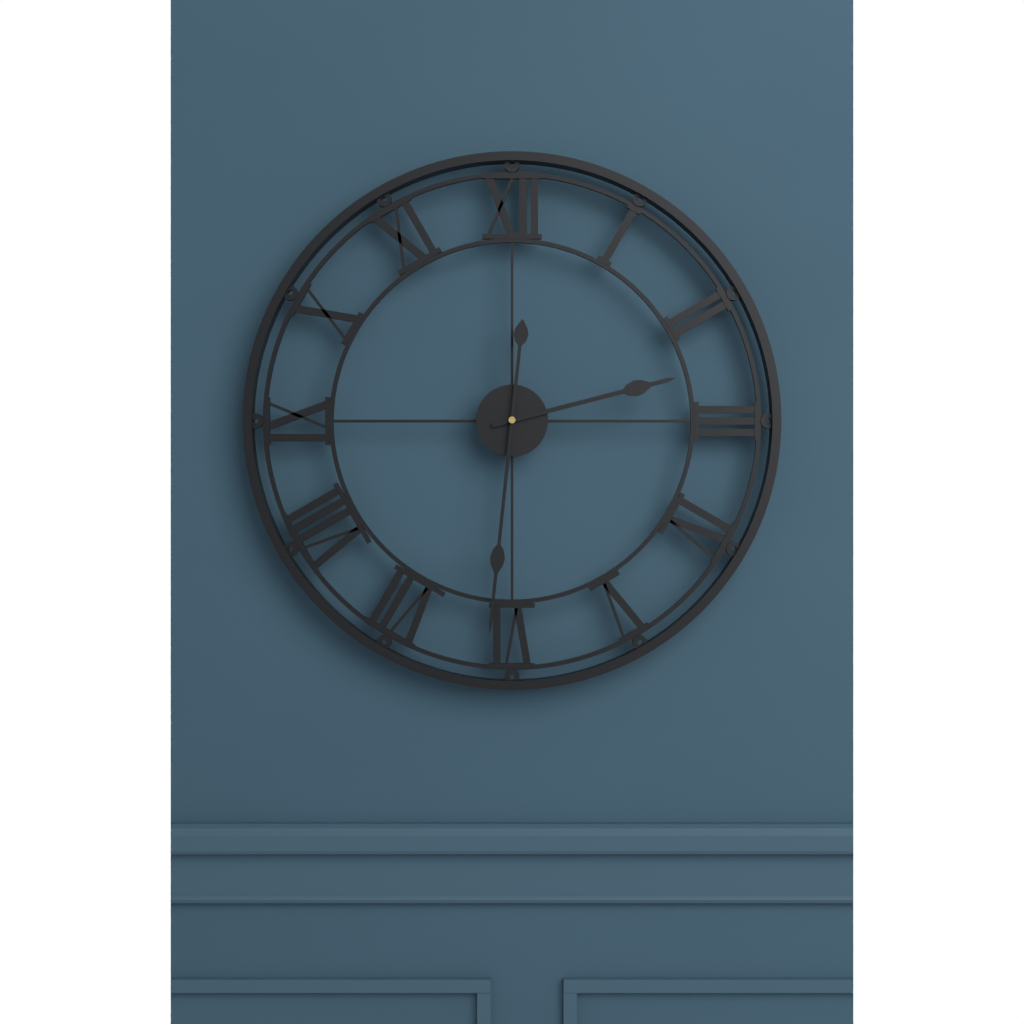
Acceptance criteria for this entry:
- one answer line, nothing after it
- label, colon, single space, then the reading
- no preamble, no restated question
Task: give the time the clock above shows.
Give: 2:31
